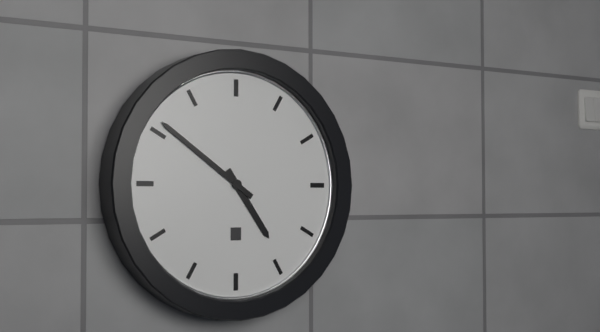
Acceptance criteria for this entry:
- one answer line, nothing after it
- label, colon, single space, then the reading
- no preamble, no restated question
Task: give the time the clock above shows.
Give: 4:51
